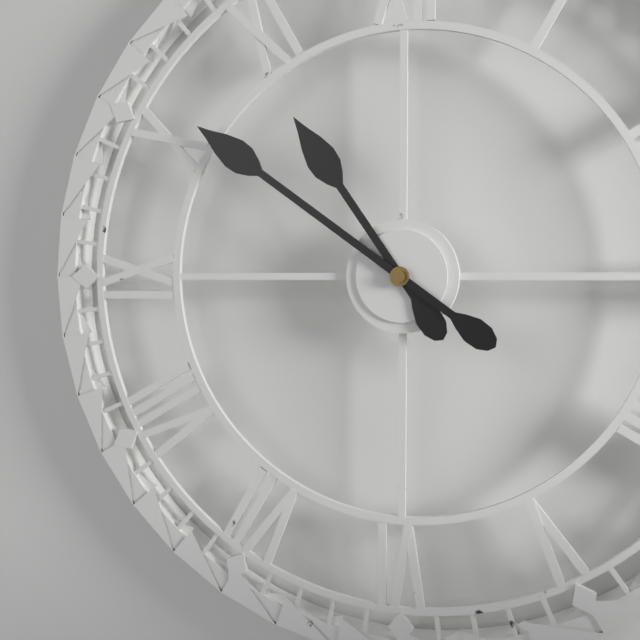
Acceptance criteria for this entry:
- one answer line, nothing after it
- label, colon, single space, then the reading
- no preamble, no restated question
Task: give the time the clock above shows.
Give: 10:51
